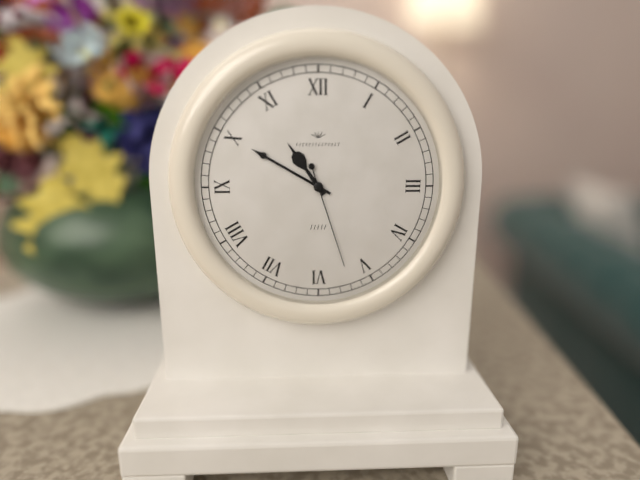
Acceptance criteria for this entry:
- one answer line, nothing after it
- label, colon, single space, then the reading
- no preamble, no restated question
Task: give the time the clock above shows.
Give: 10:50:27
